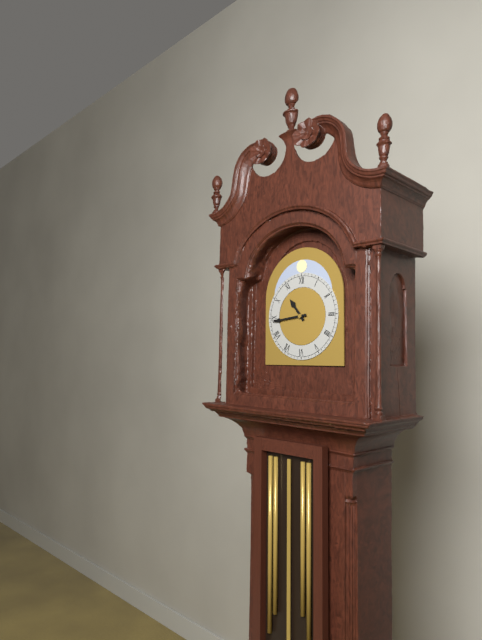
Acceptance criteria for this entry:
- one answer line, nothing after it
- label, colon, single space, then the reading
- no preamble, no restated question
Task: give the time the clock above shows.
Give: 10:44
